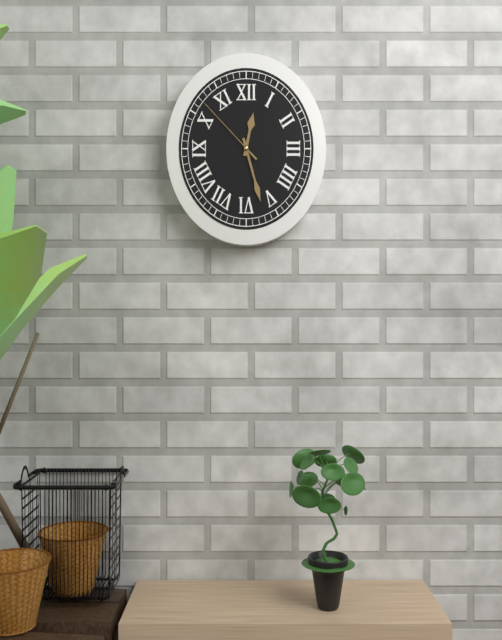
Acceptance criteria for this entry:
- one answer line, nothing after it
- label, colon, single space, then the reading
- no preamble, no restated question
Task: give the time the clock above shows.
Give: 12:27:52
